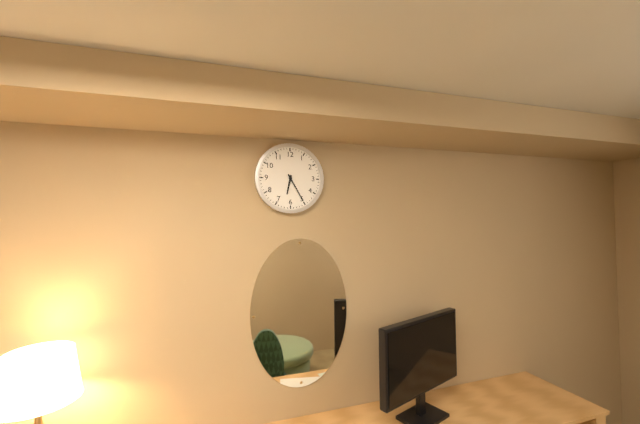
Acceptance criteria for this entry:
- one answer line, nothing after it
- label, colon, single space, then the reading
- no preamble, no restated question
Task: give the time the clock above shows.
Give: 6:25
